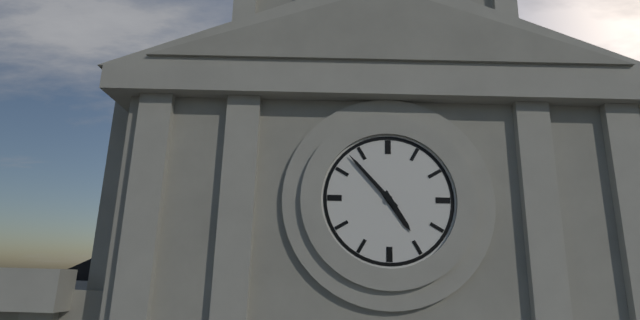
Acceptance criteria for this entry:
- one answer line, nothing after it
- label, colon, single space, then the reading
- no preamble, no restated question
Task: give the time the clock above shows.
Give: 4:53
